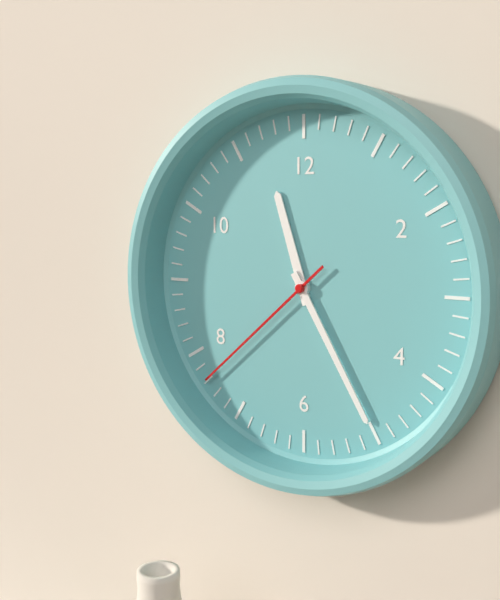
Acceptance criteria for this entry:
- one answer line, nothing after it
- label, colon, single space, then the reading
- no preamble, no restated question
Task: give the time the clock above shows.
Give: 11:25:38
